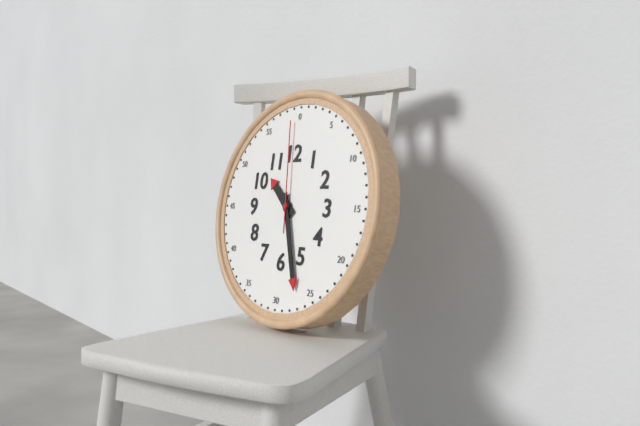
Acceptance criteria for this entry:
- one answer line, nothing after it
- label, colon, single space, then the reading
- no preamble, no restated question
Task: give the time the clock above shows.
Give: 10:27:59
